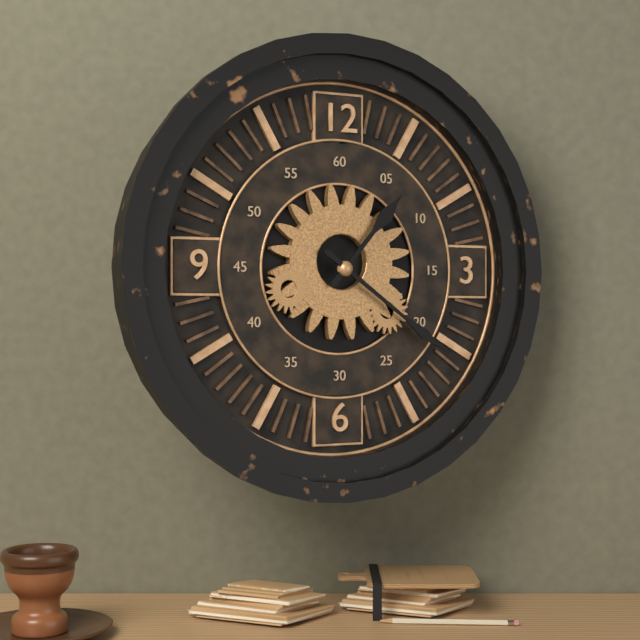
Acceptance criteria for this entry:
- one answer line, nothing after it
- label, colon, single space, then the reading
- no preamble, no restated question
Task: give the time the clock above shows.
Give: 1:21
